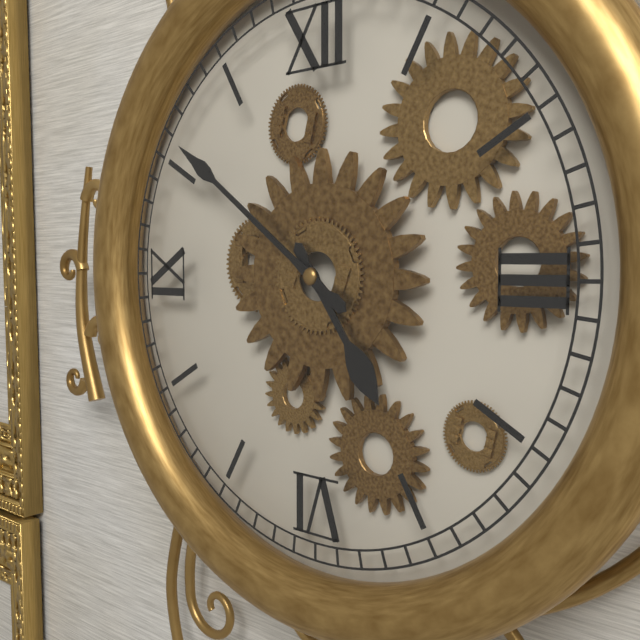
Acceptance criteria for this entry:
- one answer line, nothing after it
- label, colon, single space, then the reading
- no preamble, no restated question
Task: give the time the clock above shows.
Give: 4:51
